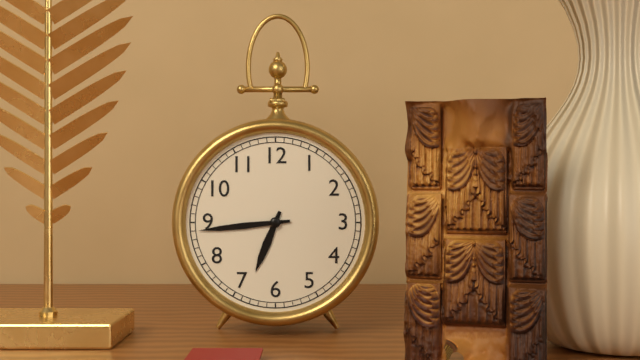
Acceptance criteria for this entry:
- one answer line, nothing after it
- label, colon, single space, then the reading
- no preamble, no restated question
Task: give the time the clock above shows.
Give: 6:44
